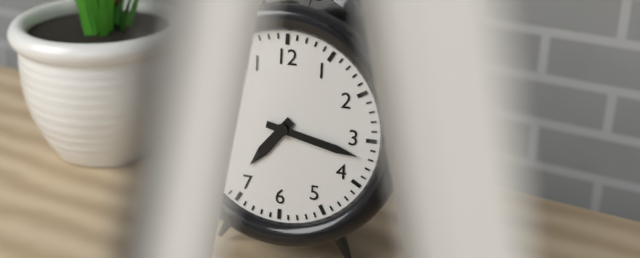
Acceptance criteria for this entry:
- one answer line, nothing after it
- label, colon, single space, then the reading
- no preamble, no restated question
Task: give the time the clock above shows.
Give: 7:17
